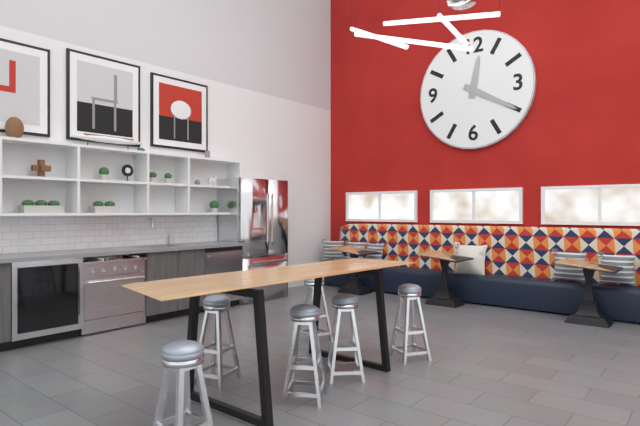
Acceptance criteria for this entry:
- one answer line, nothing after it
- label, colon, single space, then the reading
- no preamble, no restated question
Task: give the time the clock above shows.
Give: 12:20
